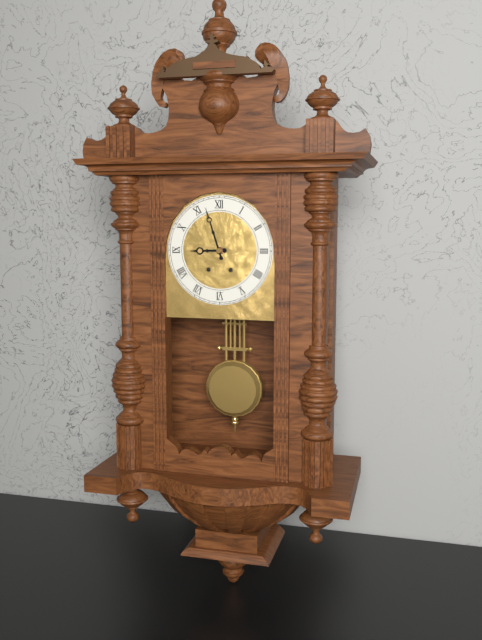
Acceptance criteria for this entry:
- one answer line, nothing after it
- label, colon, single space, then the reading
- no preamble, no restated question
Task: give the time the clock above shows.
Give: 8:57
